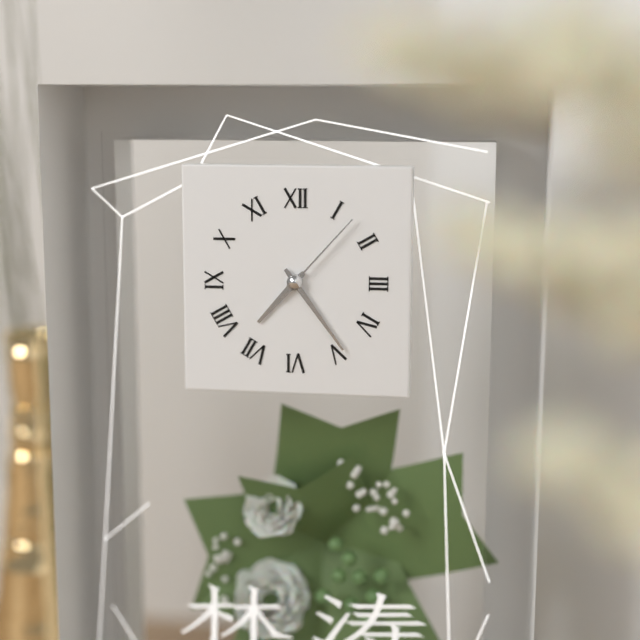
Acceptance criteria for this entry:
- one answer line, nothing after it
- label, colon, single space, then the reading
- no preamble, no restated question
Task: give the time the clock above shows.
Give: 7:24:07
